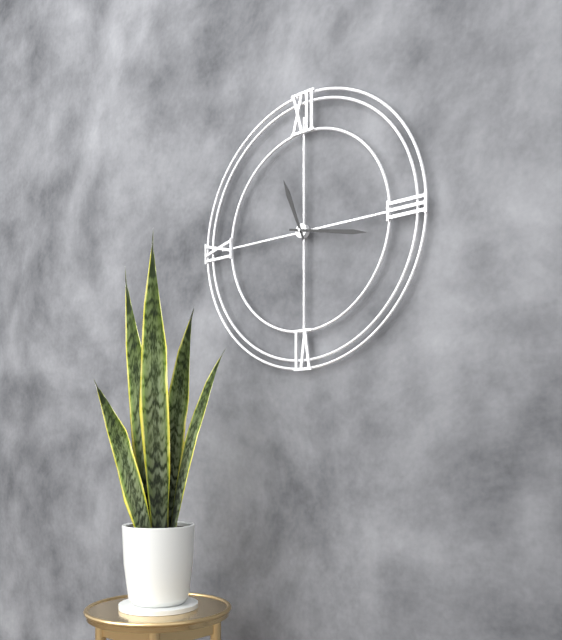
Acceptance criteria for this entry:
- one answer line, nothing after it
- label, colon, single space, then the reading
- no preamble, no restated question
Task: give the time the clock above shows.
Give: 11:17
